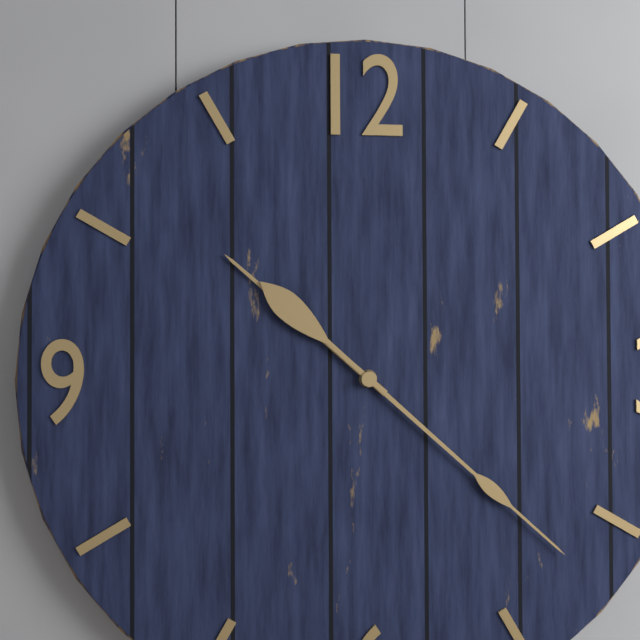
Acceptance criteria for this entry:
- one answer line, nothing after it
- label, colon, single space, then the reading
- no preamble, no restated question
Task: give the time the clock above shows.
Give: 10:22
